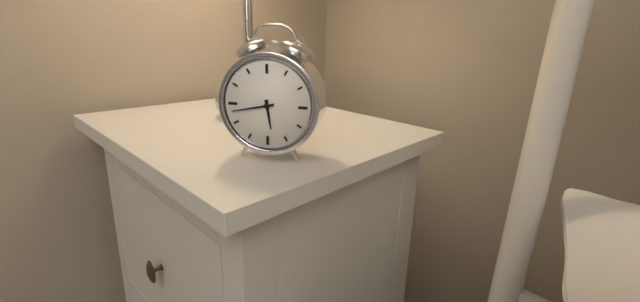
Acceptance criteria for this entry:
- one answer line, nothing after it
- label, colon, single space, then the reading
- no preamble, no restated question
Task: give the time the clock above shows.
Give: 5:43
